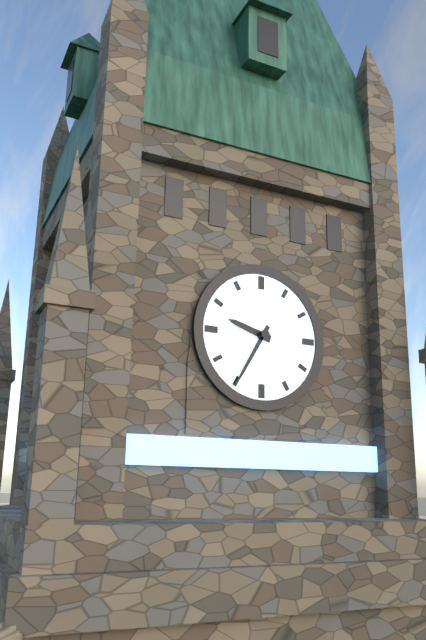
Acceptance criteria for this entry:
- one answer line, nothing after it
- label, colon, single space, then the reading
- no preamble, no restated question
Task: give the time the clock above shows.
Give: 9:35
